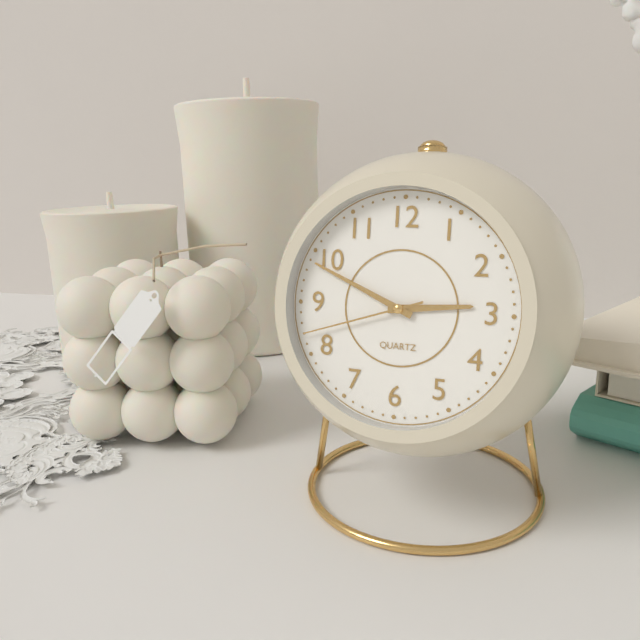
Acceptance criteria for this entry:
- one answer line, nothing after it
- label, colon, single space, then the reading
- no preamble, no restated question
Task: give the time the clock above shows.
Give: 2:49:42
